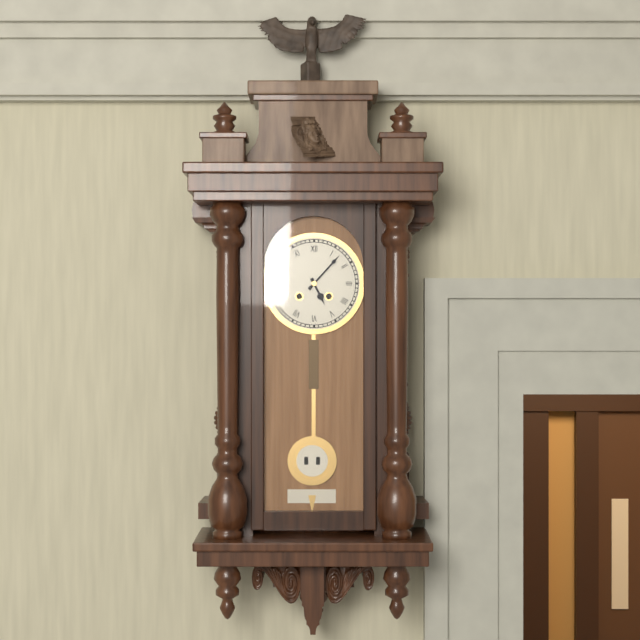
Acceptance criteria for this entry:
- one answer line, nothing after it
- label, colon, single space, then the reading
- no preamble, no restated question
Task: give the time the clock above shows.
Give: 5:07
